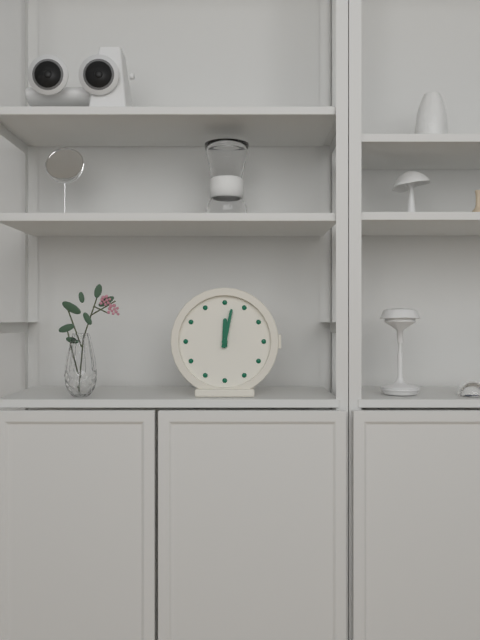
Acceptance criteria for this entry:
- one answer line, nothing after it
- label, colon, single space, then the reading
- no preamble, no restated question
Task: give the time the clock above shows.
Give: 12:02
